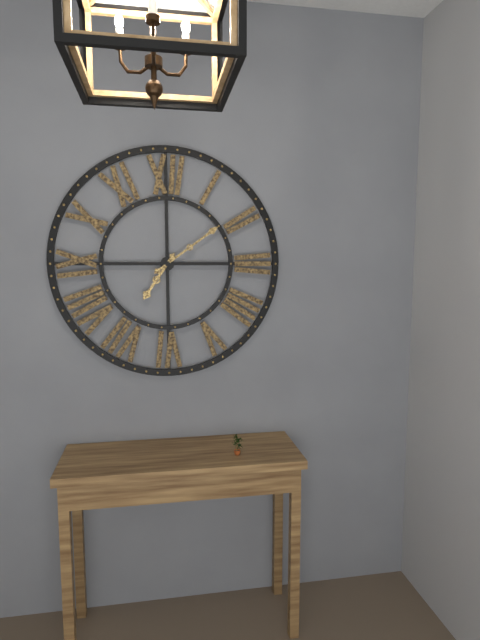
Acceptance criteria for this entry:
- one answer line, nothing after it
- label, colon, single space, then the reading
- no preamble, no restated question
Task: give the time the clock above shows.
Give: 7:09
